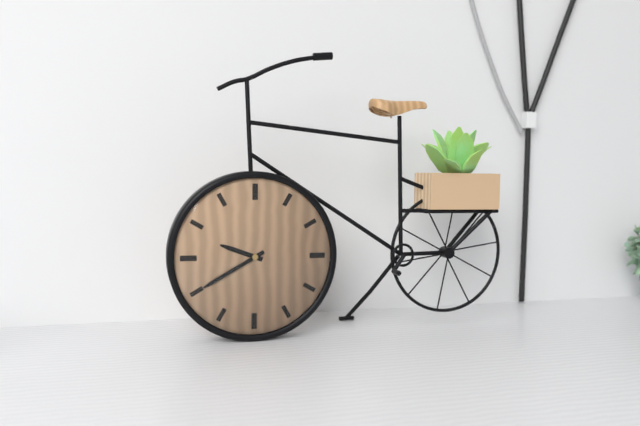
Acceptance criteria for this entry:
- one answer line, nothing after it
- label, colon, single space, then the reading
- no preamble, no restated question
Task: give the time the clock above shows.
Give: 9:40
